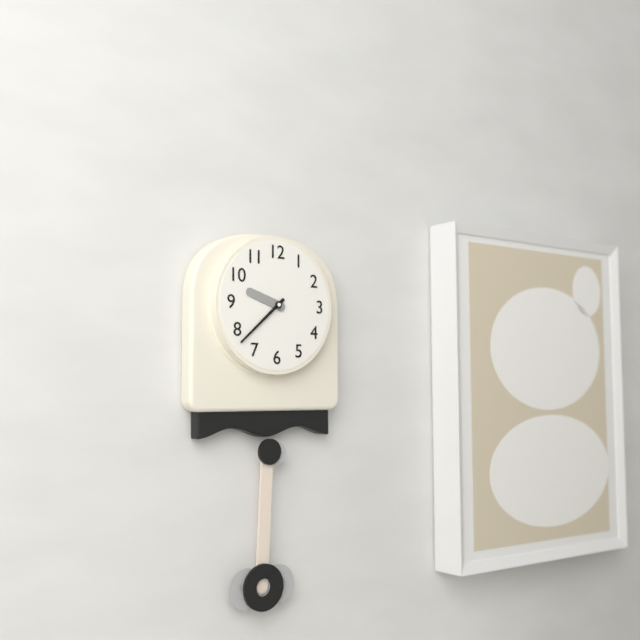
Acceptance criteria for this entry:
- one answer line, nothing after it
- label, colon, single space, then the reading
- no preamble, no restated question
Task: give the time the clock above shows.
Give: 9:38
